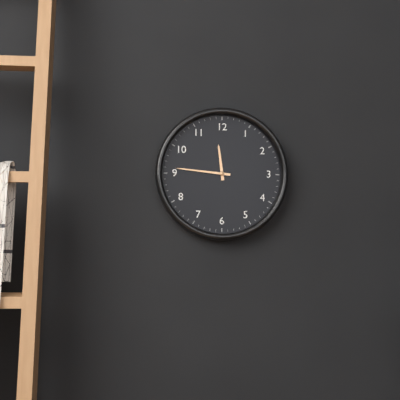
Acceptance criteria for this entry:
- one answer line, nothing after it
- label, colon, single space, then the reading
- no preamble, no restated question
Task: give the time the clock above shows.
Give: 11:46
